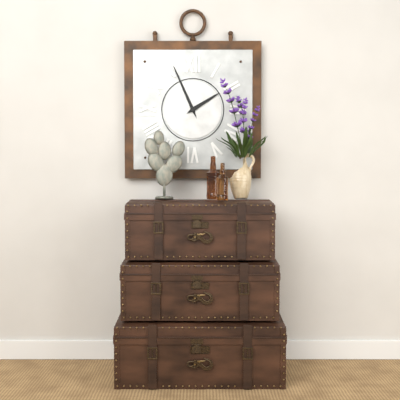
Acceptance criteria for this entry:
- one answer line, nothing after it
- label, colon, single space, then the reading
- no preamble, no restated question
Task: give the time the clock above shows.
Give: 1:56
